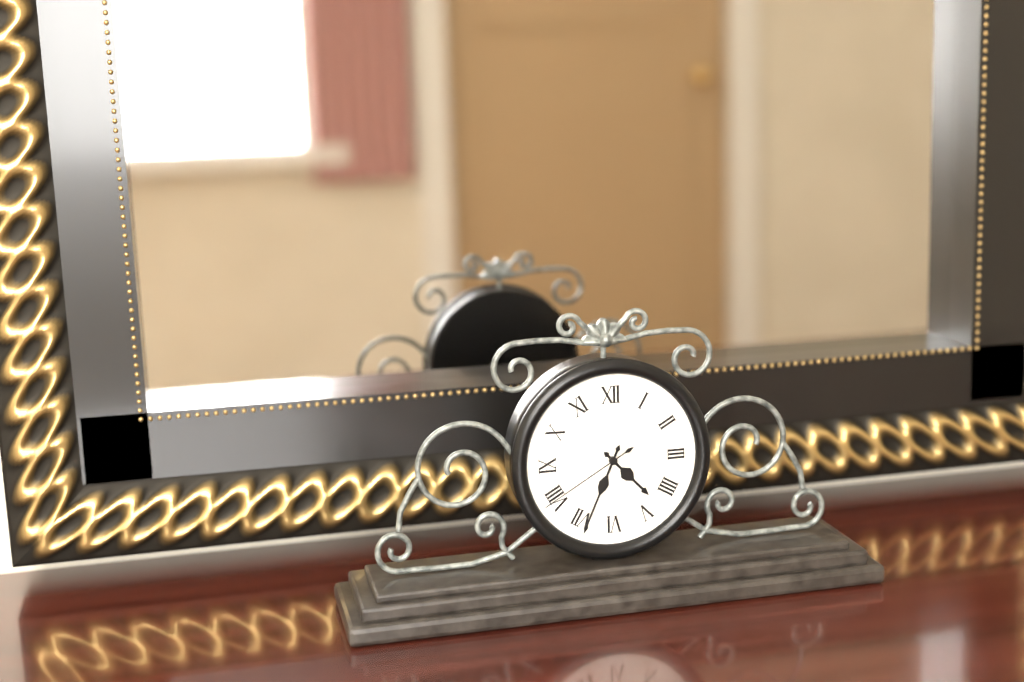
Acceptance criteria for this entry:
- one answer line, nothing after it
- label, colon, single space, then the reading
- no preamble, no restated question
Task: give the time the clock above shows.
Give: 4:34:40
